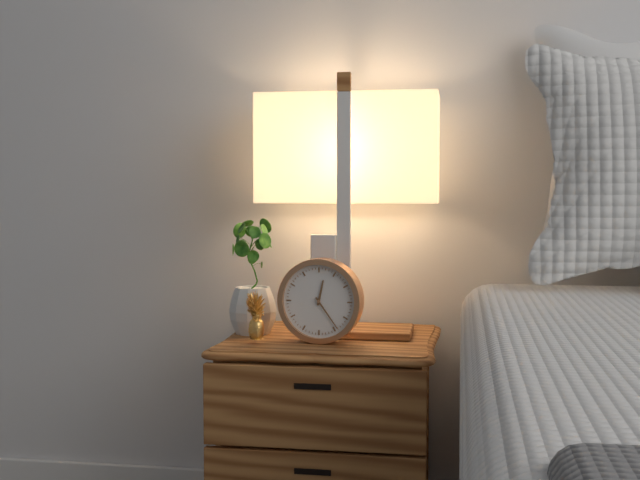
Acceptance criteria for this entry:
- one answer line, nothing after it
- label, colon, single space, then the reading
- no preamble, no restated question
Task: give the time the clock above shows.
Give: 12:24
